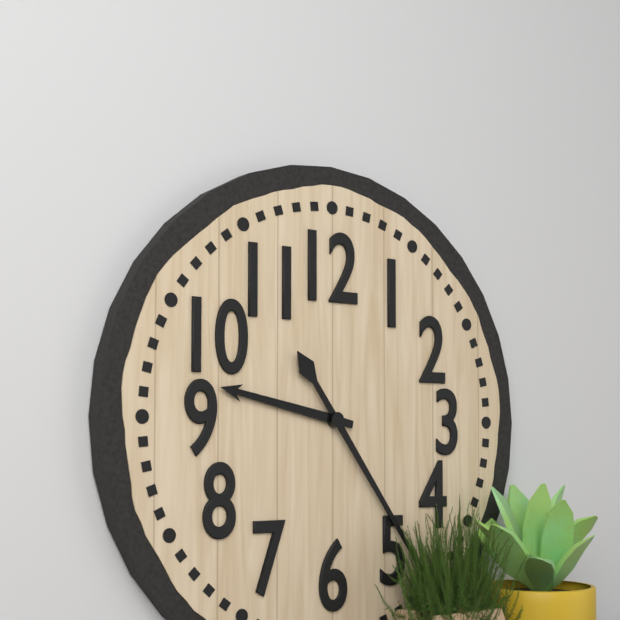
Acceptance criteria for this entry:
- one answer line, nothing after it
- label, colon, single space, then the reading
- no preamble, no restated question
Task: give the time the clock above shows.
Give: 9:24
